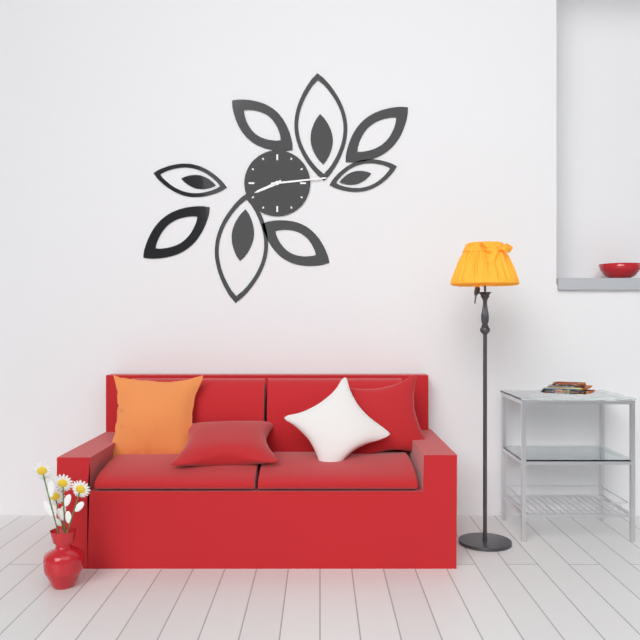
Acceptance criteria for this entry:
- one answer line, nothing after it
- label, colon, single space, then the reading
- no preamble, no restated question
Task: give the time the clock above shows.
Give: 8:14
